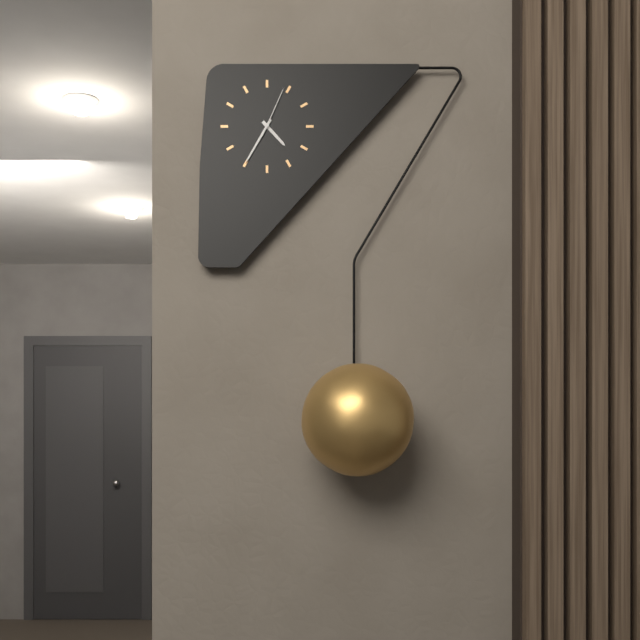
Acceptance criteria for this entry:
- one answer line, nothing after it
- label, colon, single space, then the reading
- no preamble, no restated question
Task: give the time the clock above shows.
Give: 4:35:04
